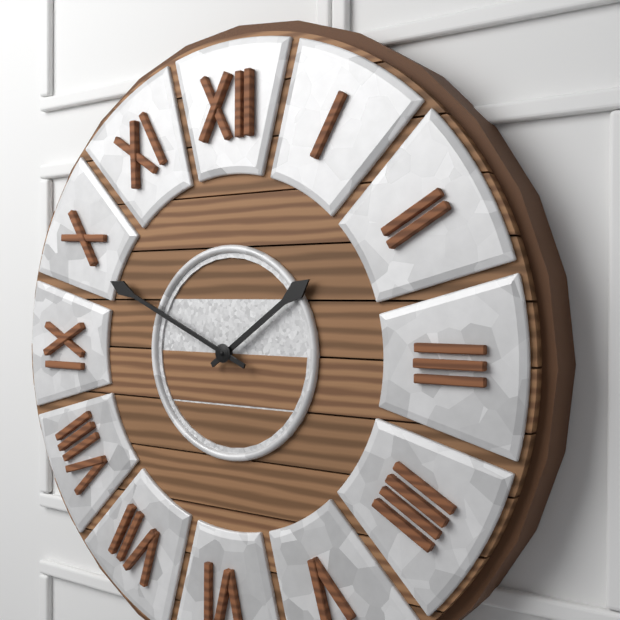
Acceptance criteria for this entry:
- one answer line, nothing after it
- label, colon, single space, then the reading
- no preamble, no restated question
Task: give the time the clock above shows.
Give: 1:49
